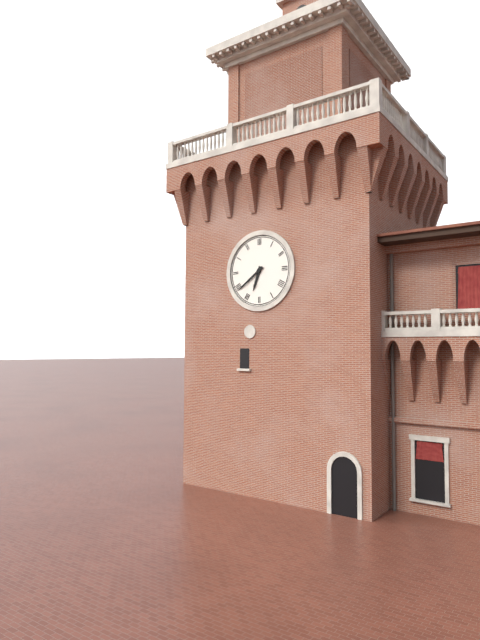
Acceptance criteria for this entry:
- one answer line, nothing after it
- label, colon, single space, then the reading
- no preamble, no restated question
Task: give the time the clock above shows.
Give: 6:39
